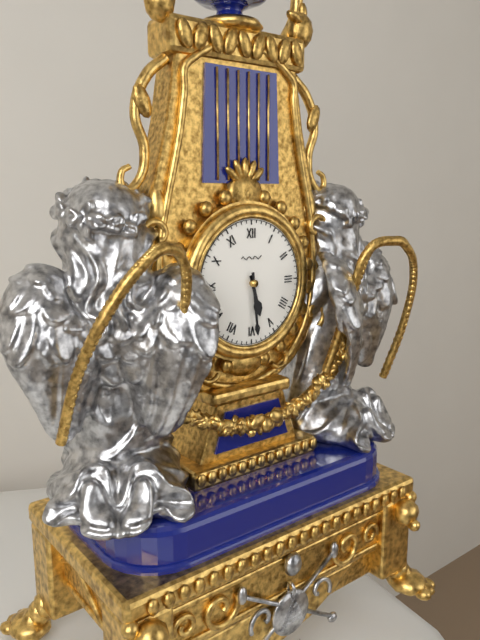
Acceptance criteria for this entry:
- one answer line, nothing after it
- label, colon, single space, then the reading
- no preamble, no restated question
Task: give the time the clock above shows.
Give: 5:29
